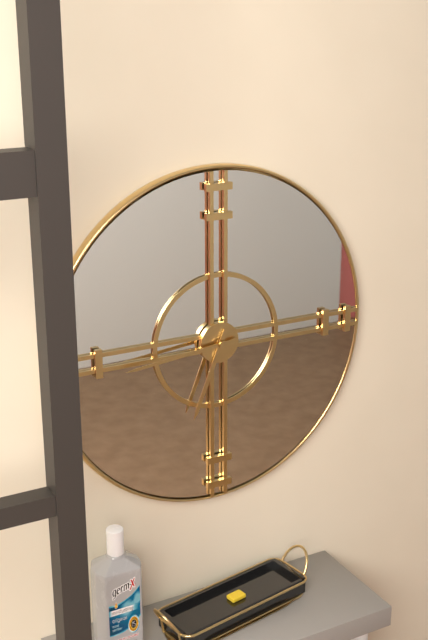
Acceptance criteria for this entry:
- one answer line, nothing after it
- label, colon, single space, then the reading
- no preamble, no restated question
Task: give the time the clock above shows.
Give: 6:44
